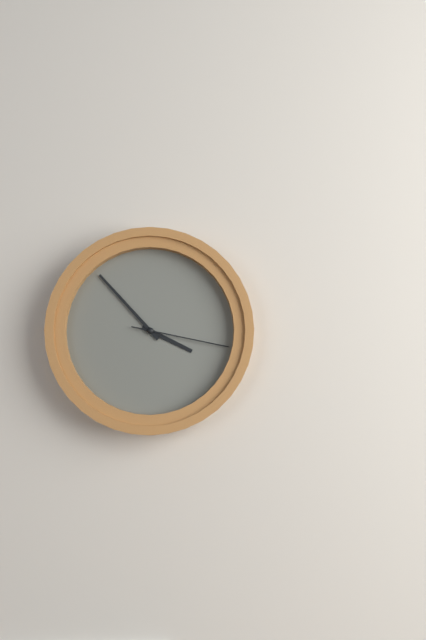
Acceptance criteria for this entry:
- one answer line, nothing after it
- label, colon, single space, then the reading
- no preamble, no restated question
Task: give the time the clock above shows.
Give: 3:53:17
